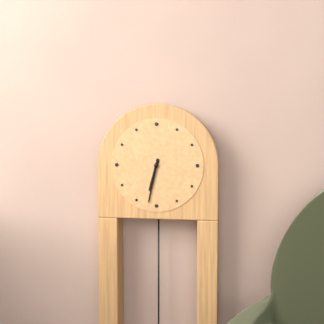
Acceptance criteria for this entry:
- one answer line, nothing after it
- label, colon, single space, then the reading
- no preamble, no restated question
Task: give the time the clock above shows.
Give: 6:32
